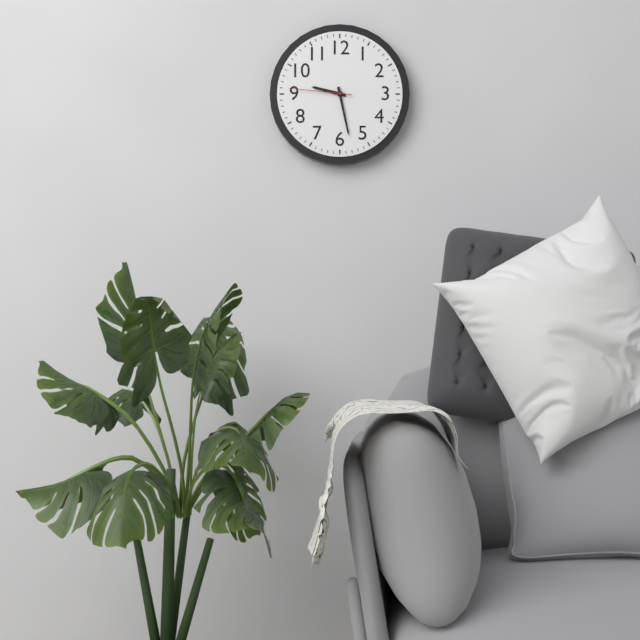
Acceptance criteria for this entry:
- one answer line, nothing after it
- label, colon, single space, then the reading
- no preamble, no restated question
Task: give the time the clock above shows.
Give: 9:28:46
